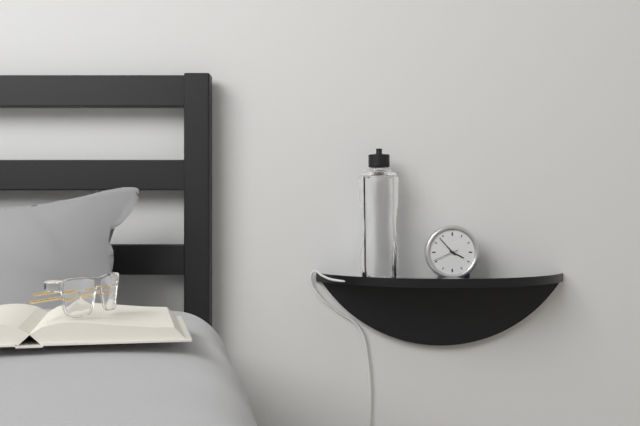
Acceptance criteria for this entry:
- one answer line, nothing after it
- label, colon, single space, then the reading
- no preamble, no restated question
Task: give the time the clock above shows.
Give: 3:53
